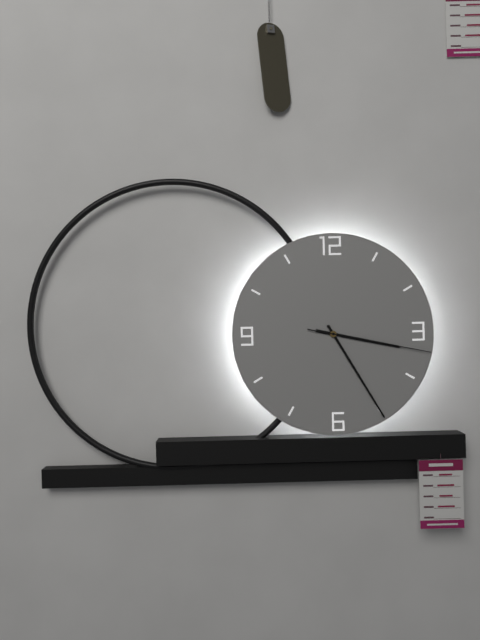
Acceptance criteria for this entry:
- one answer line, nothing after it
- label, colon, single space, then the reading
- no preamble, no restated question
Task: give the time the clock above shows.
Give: 3:25:17
